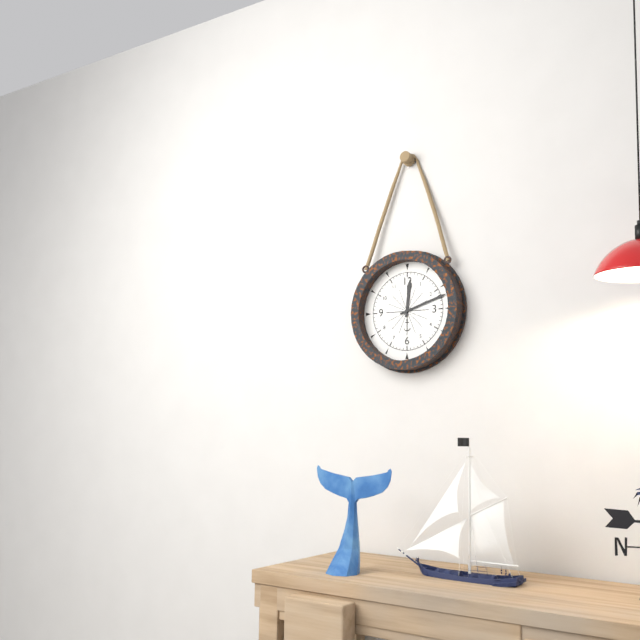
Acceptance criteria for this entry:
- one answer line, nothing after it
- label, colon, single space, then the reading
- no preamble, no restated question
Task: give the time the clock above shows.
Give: 12:12
